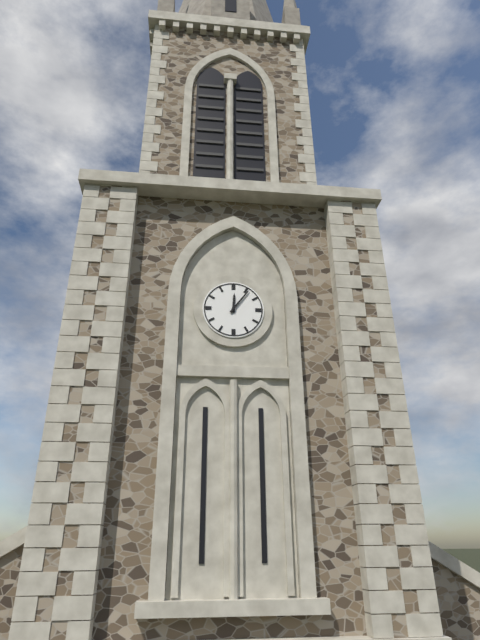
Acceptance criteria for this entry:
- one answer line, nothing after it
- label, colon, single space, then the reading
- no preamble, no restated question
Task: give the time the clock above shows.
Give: 12:06
